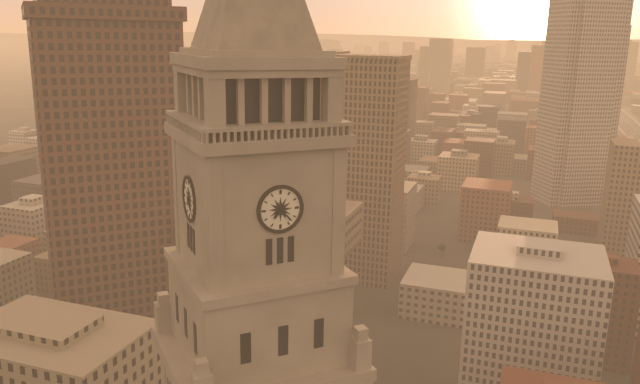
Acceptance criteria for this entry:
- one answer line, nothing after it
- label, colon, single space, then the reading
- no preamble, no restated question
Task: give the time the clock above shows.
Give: 7:23
